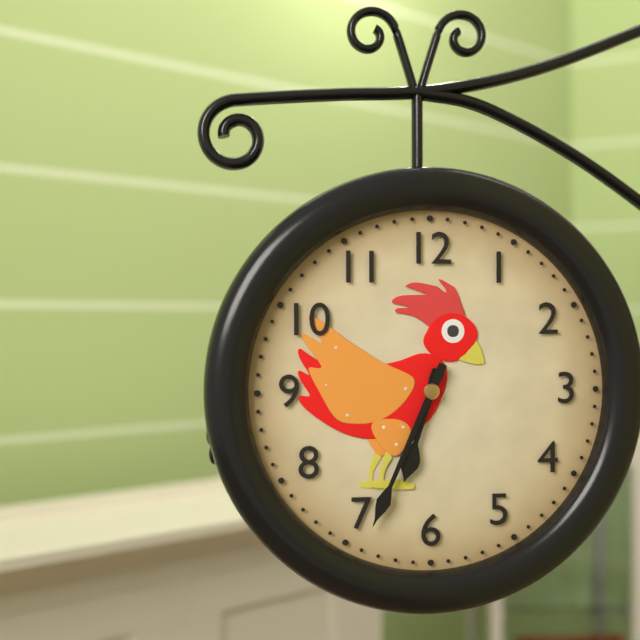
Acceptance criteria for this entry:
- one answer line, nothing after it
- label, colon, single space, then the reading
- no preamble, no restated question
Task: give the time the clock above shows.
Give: 6:34
